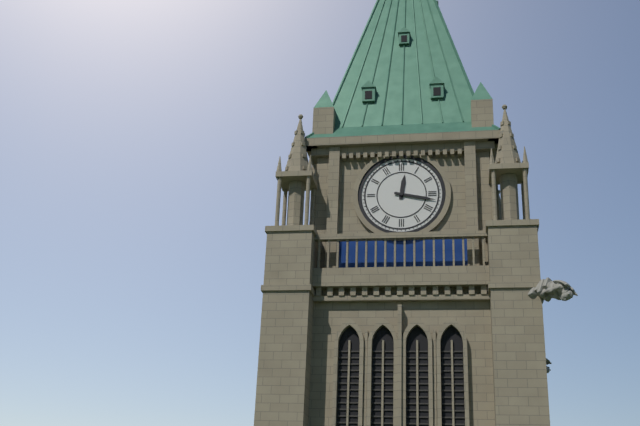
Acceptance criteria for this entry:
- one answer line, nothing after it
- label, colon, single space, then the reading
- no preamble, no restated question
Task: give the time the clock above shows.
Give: 12:17
